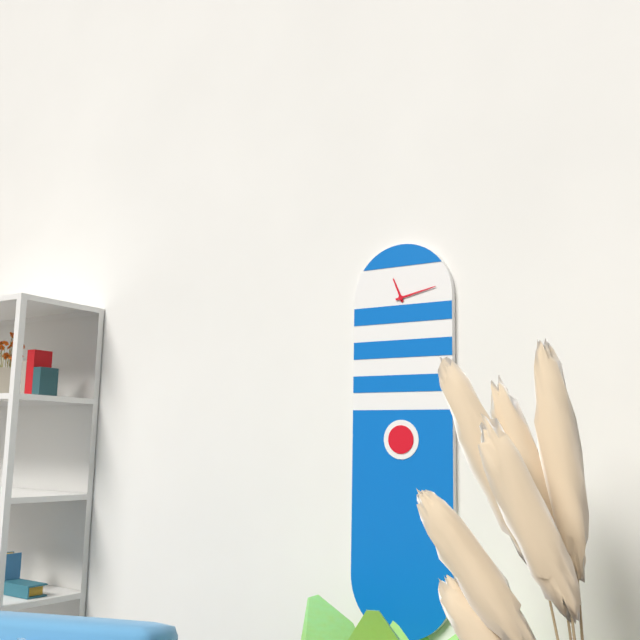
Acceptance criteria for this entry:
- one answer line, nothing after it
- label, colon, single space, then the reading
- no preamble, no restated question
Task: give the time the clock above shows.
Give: 11:13
